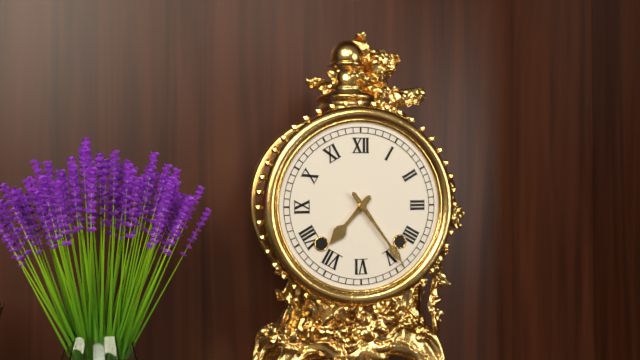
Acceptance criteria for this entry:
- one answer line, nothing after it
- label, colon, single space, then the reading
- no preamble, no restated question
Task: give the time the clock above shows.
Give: 7:24
